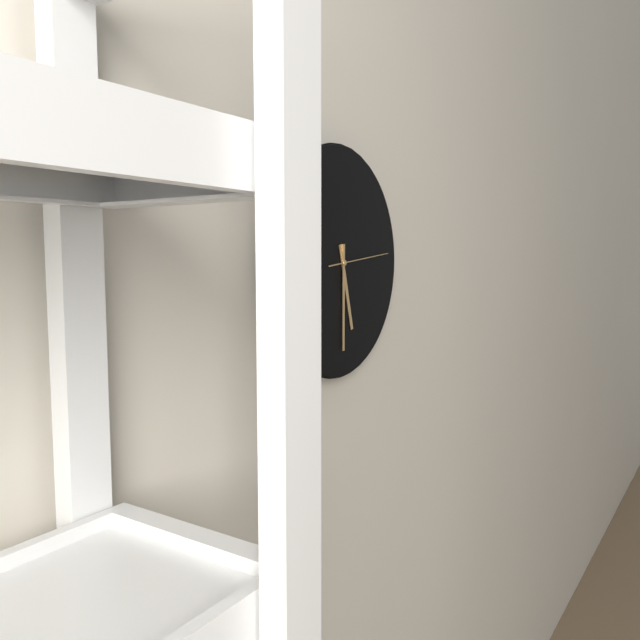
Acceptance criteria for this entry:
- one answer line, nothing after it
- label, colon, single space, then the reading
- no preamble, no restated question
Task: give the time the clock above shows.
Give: 5:30:14
